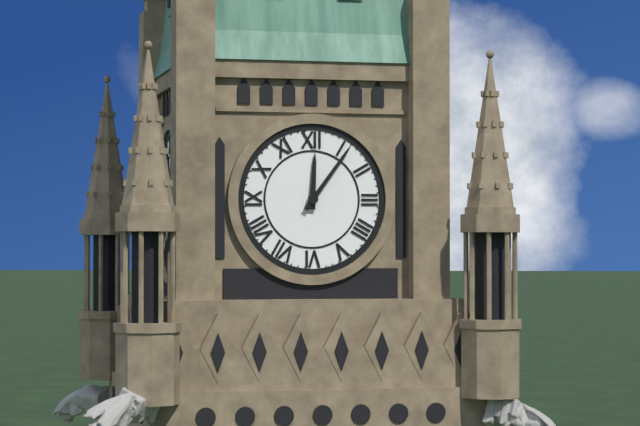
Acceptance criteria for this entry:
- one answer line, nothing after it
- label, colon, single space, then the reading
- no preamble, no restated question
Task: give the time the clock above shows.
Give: 12:06
